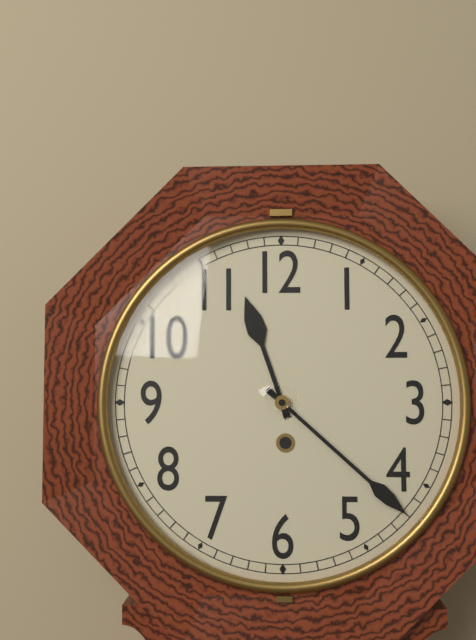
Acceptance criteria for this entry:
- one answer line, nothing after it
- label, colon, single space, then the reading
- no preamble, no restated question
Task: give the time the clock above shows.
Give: 11:22
